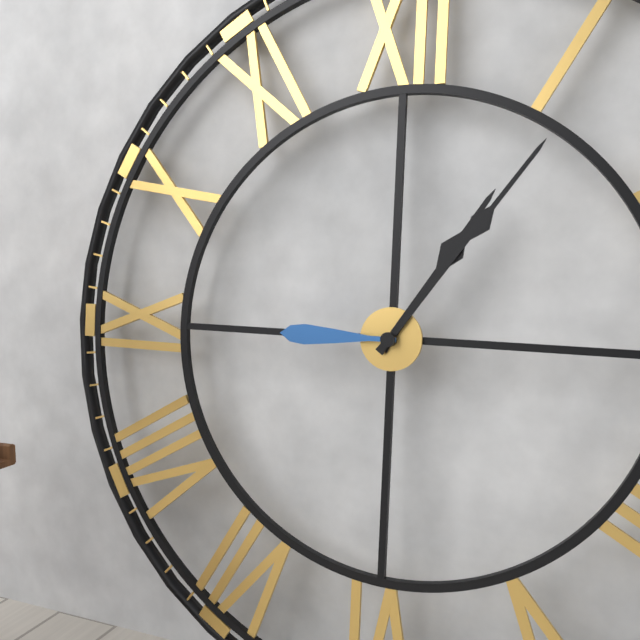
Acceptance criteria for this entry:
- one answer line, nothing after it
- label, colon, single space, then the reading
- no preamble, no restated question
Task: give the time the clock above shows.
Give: 1:06:45
